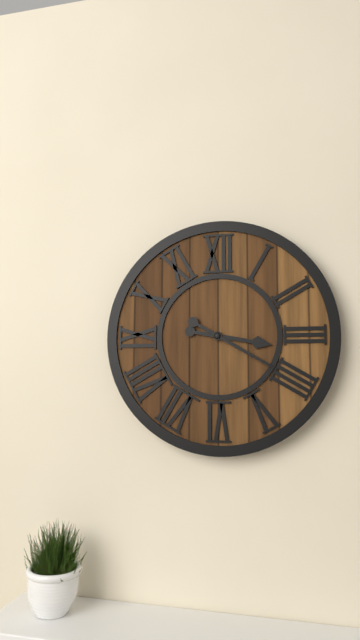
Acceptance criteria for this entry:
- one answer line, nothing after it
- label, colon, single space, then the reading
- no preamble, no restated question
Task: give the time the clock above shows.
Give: 3:20
